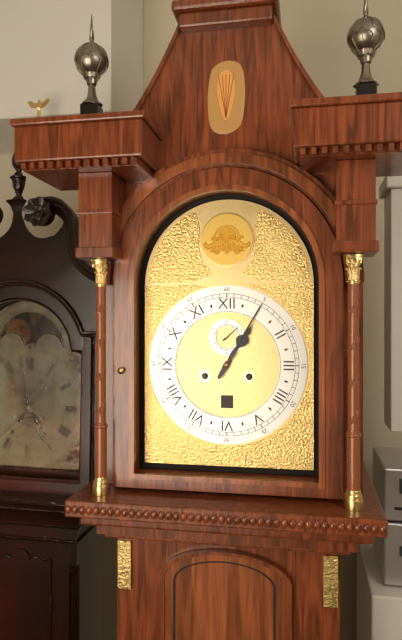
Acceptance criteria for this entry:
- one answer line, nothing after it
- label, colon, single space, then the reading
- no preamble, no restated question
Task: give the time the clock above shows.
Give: 1:05
